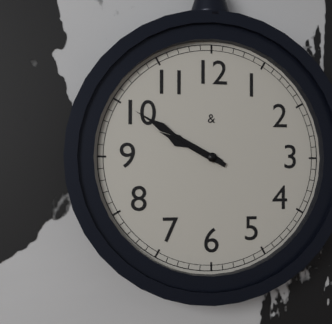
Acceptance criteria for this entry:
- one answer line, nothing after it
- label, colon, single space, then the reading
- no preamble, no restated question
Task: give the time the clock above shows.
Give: 9:50
